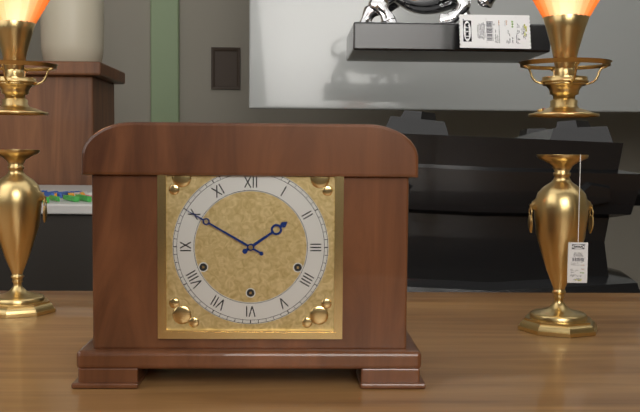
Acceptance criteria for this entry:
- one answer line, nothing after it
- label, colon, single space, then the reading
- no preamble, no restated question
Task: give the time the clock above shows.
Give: 1:50
